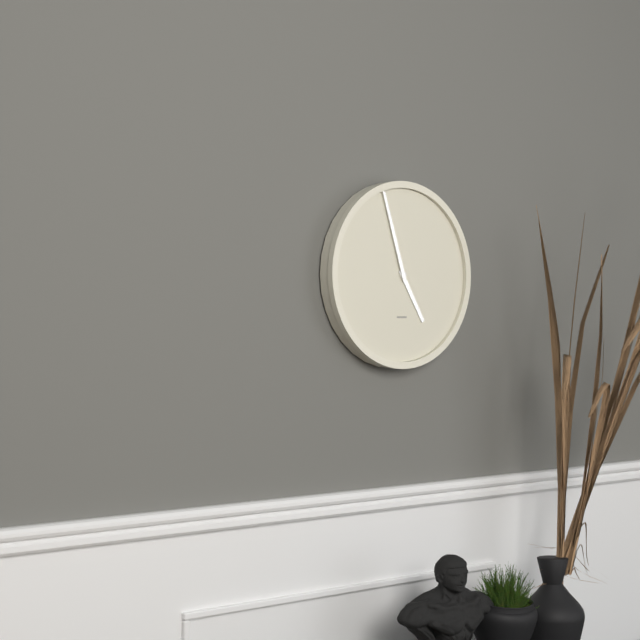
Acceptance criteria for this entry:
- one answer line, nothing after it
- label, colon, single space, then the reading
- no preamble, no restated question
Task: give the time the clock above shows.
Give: 4:57
